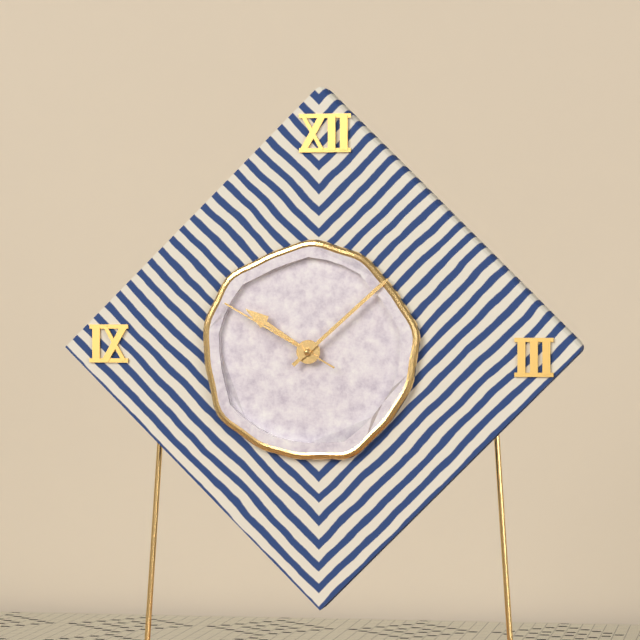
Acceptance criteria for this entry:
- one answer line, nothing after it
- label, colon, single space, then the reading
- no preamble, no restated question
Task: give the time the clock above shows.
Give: 10:08:50
